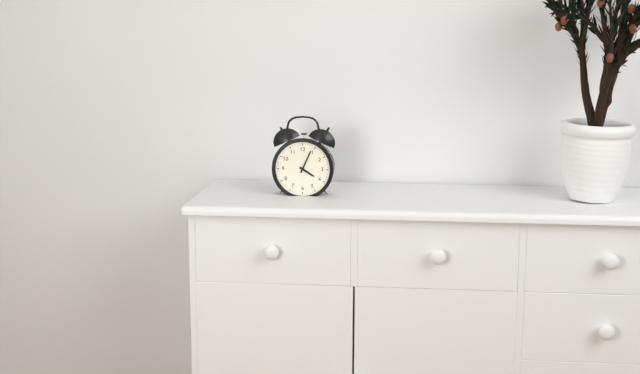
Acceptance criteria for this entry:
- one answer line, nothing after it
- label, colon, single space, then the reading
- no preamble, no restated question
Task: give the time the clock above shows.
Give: 4:04
